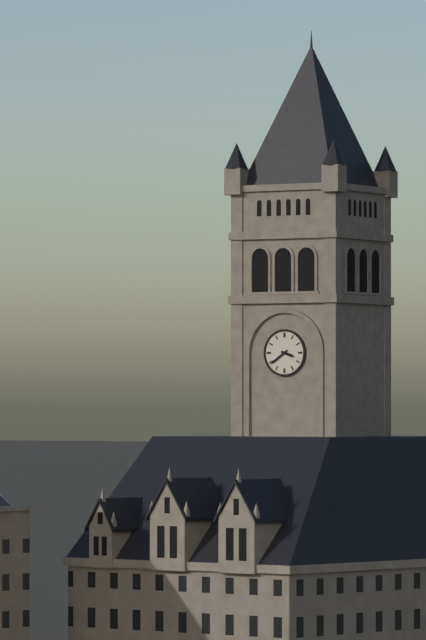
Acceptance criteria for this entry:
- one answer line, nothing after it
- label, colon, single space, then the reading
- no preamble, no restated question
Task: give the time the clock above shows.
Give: 3:39
